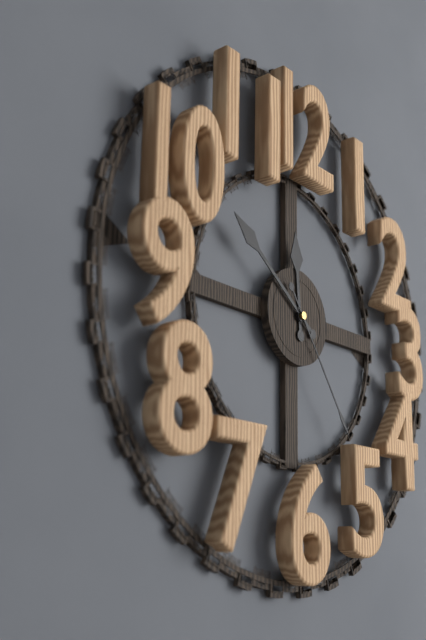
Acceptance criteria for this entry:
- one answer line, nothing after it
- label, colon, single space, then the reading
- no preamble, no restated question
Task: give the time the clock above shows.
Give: 11:51:24
